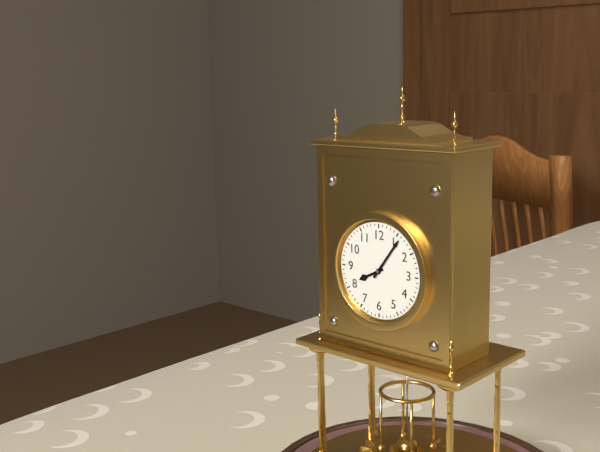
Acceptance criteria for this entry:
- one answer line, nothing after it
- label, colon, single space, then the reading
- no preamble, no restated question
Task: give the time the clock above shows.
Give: 8:06
